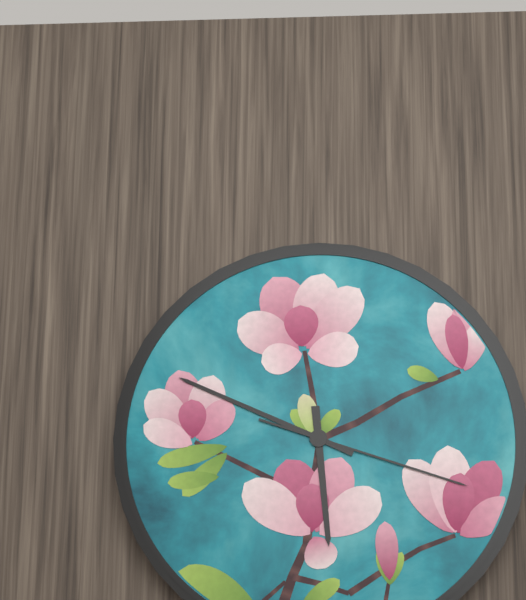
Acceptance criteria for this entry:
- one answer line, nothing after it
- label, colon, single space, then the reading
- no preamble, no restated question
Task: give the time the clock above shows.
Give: 5:49:18
